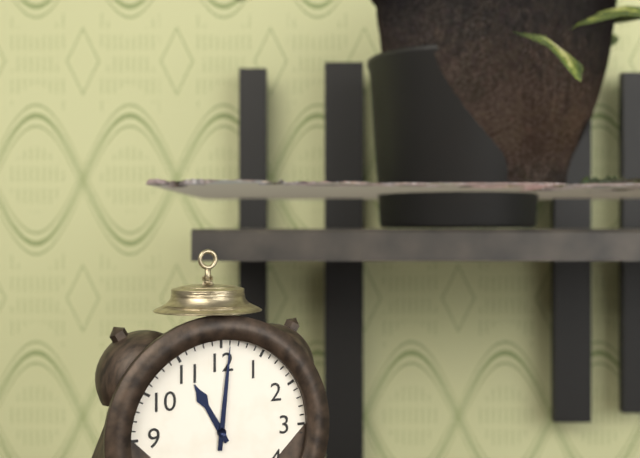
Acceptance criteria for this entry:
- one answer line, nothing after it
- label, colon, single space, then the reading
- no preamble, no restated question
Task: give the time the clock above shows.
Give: 11:01
